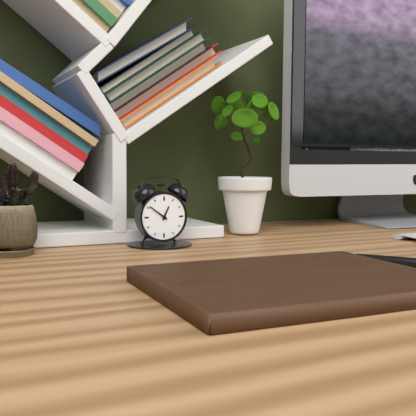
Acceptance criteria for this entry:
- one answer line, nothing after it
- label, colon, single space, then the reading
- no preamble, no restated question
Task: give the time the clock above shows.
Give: 12:51
